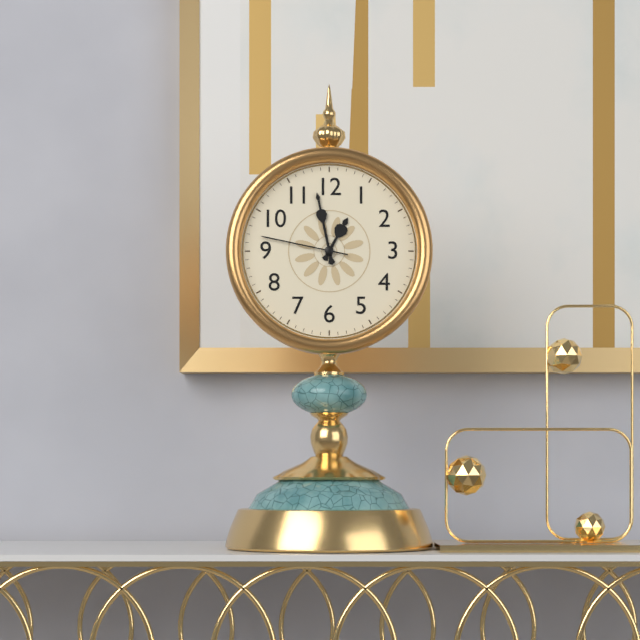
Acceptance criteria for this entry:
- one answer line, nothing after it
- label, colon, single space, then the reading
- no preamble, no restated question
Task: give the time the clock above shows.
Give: 12:58:47
